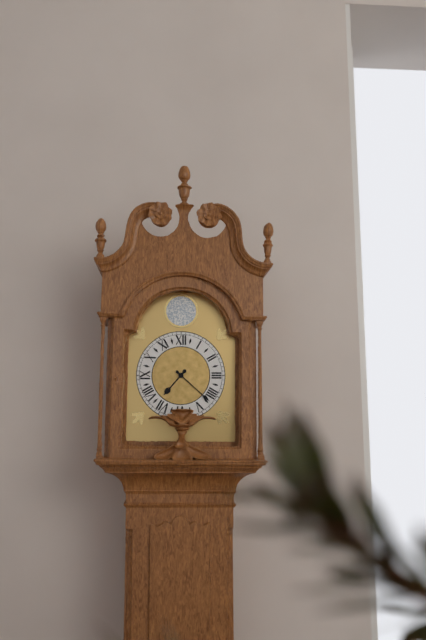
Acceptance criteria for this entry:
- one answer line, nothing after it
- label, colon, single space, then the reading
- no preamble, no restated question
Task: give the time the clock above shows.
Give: 7:22
